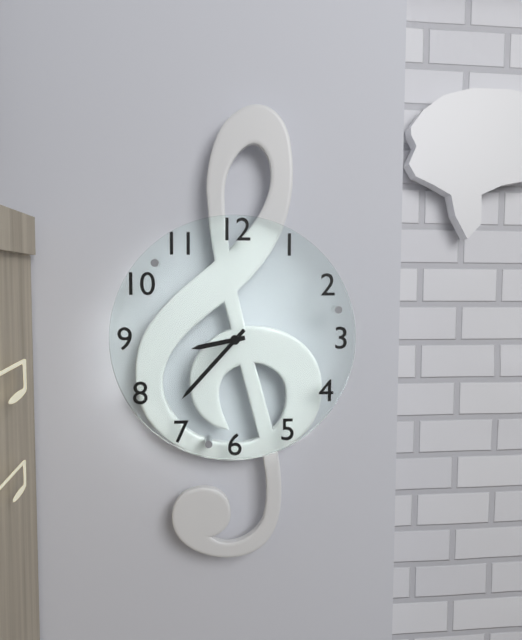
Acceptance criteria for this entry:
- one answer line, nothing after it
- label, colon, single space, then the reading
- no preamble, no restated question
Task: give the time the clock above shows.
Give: 8:37
